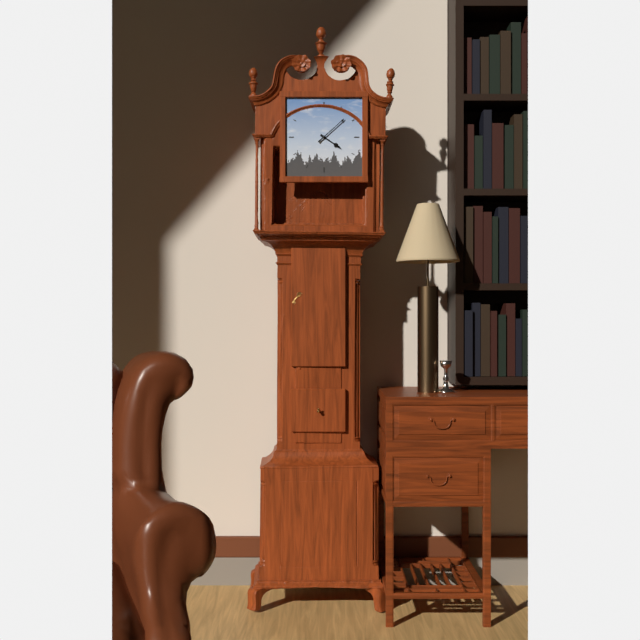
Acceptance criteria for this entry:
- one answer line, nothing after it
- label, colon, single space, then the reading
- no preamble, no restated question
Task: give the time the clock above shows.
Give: 4:08
